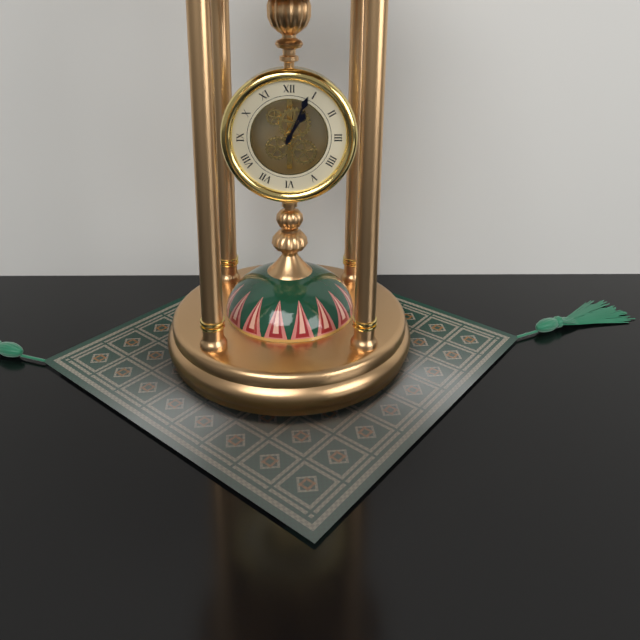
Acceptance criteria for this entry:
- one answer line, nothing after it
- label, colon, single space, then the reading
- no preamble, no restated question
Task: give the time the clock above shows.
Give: 1:04
